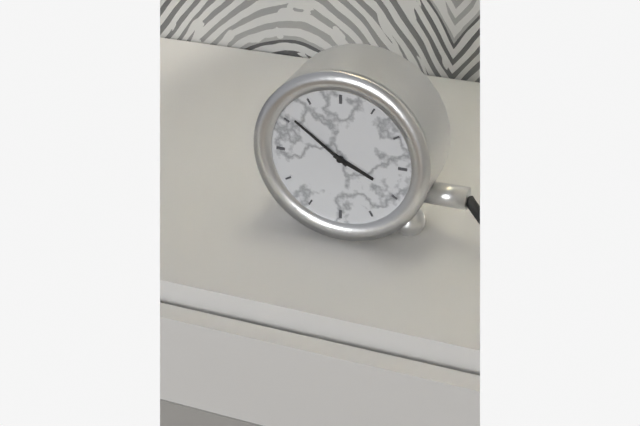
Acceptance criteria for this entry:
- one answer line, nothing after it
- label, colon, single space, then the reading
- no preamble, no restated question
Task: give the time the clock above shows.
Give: 3:51
